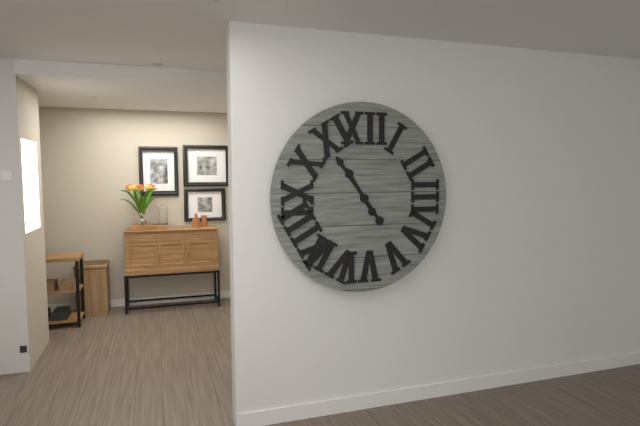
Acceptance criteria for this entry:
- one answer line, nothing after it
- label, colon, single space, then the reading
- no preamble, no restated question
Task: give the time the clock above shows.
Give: 10:54
